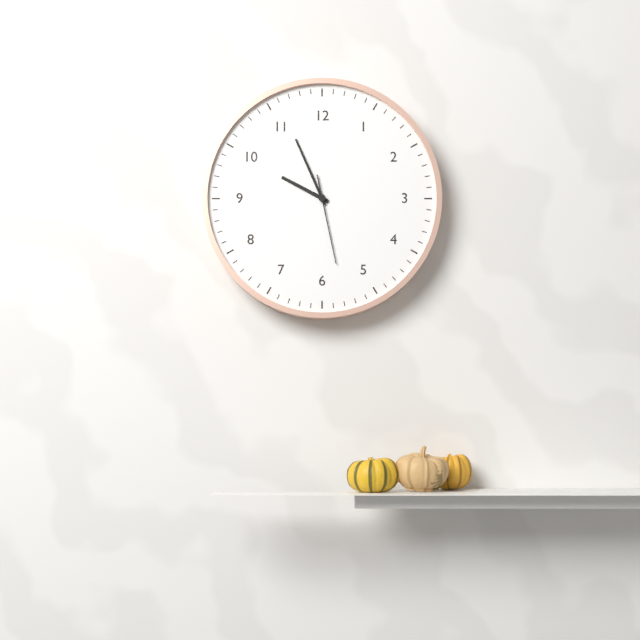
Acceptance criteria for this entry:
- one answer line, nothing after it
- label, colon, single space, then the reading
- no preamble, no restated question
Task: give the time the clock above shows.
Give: 9:56:28
